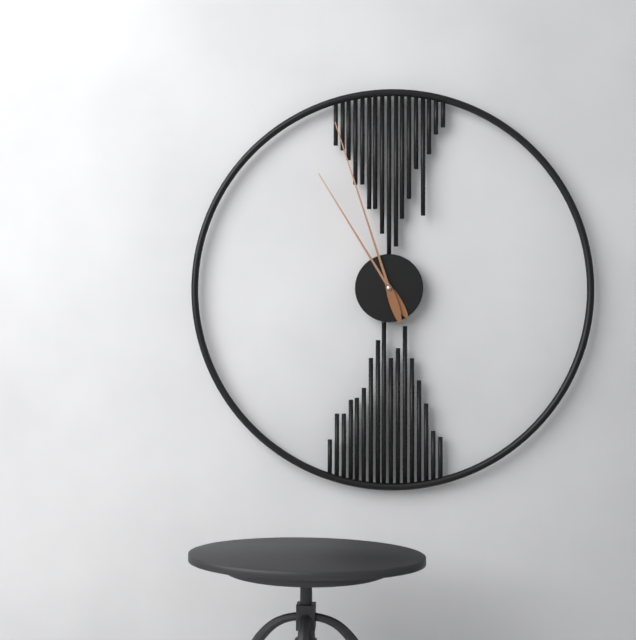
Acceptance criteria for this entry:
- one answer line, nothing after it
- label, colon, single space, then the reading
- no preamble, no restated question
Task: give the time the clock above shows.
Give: 10:57
